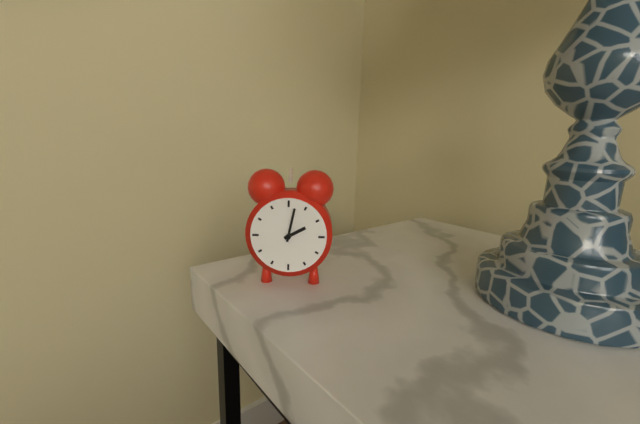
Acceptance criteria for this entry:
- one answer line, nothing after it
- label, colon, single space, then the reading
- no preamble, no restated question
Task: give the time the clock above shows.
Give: 2:02
